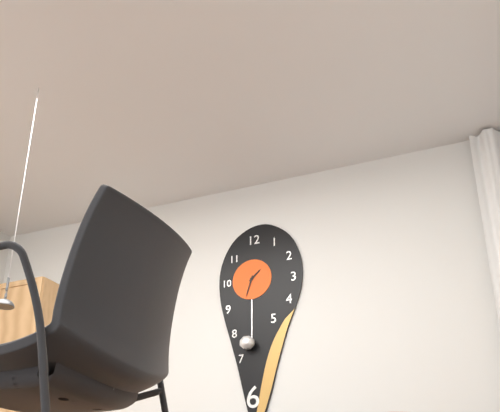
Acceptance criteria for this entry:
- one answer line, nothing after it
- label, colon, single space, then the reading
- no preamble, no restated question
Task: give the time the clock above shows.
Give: 1:33
